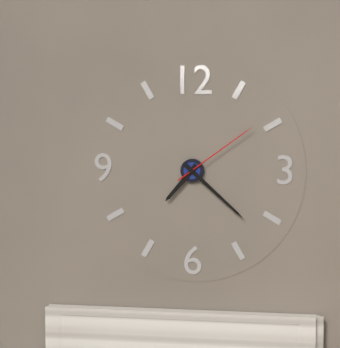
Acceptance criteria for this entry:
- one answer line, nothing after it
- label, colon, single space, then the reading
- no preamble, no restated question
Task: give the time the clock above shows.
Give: 7:22:09
